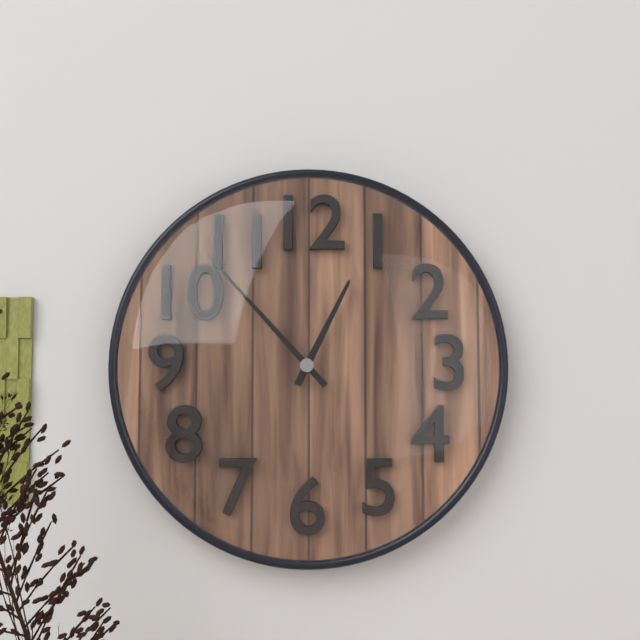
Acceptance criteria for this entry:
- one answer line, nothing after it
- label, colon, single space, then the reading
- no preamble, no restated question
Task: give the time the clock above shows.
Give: 12:53
